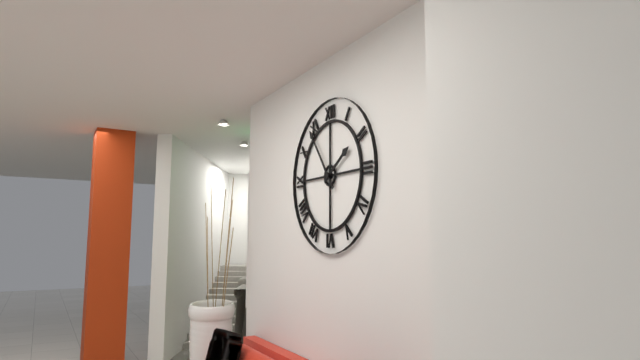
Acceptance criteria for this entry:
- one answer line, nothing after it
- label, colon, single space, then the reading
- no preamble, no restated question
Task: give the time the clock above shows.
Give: 1:54
